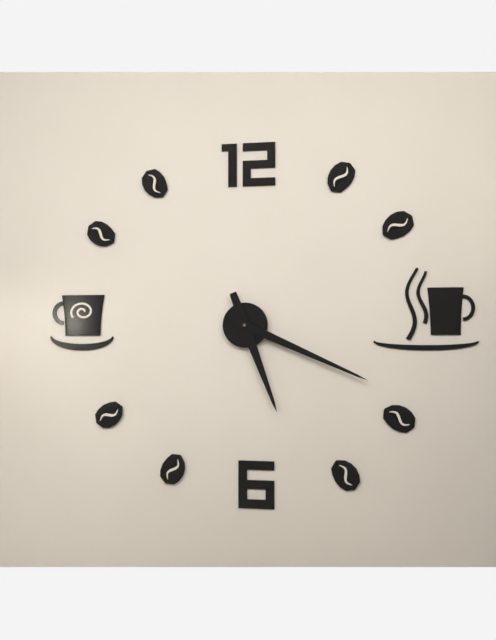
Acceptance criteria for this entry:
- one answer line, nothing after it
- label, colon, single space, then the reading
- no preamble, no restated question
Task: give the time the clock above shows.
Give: 5:19
